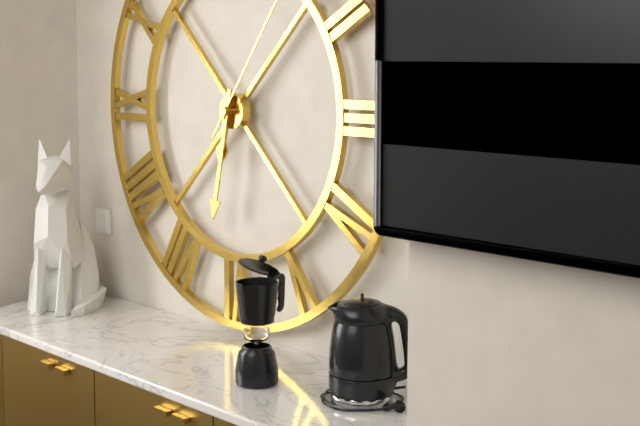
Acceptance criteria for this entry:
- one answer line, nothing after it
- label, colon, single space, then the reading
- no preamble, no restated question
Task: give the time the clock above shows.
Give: 6:32
